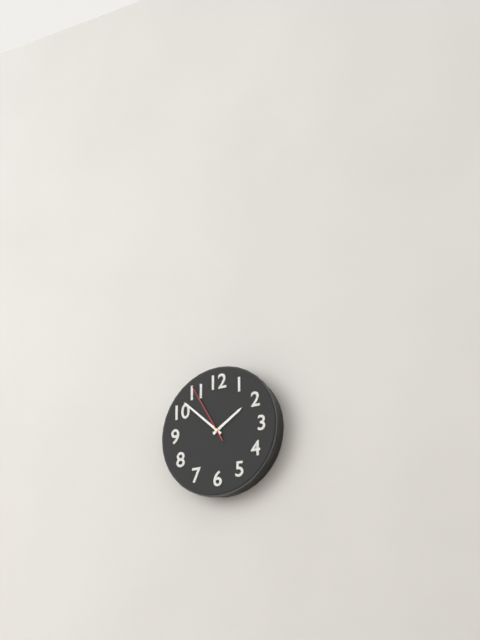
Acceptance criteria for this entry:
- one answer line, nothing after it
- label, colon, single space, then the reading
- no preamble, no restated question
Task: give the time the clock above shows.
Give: 1:52:55
